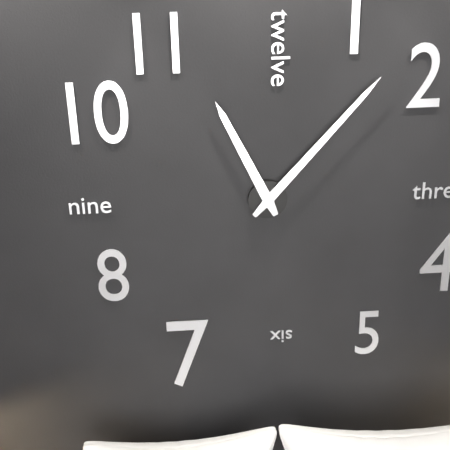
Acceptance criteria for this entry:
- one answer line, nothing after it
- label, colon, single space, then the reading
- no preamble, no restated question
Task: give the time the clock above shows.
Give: 11:07
